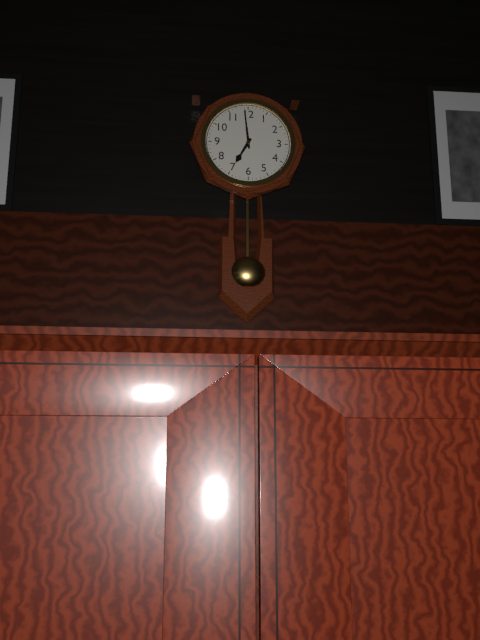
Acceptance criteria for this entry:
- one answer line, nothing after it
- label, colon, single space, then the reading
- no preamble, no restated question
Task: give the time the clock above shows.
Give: 6:59
